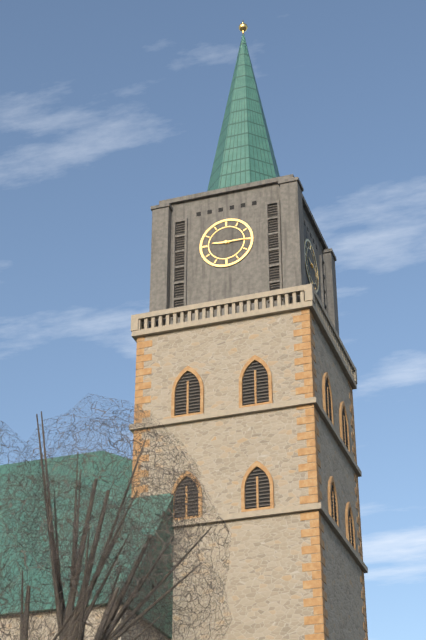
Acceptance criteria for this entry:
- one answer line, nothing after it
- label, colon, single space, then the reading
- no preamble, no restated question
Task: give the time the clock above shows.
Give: 9:15
